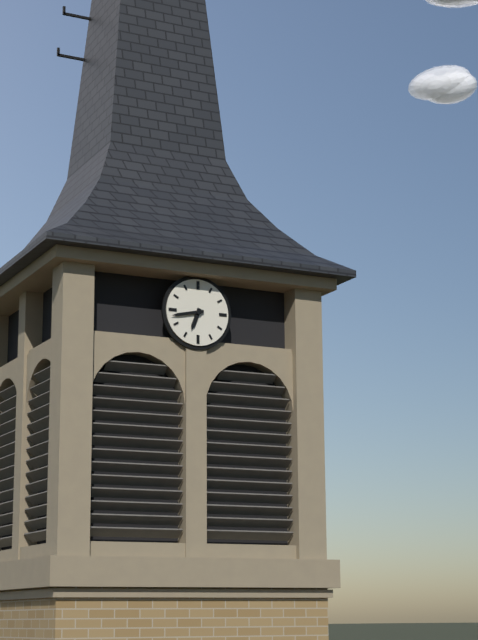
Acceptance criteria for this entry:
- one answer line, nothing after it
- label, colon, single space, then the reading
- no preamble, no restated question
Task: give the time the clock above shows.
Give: 6:43
